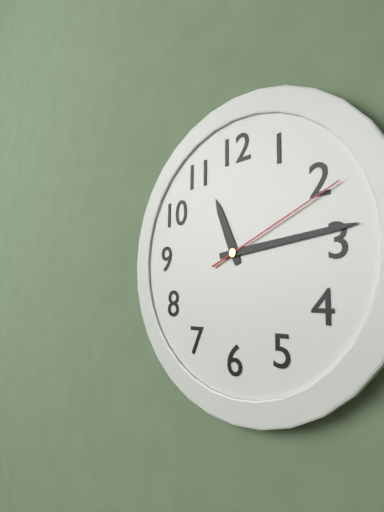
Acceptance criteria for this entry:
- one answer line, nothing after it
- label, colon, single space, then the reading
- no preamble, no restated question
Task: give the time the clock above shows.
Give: 11:14:11
